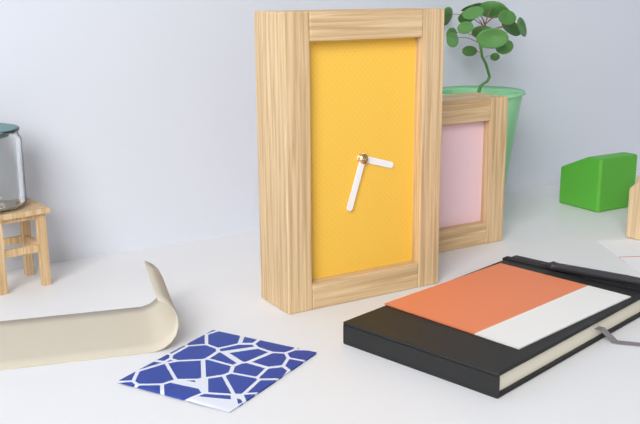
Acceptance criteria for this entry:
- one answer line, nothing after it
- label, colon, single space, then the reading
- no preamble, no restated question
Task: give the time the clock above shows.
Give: 3:33
